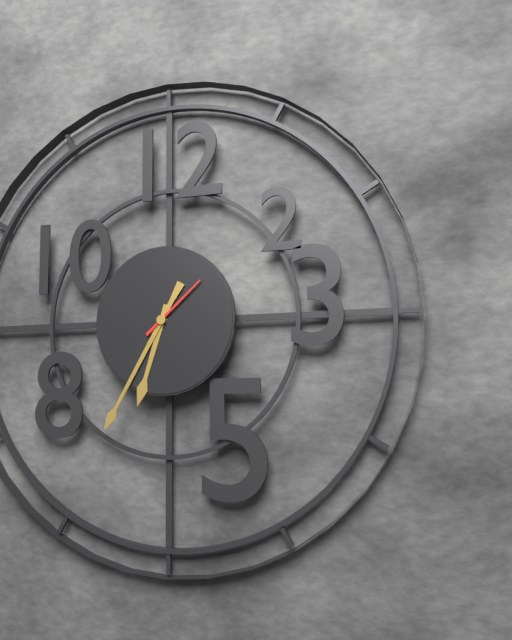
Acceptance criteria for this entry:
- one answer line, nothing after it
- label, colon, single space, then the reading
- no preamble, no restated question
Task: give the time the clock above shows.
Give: 6:35:08
